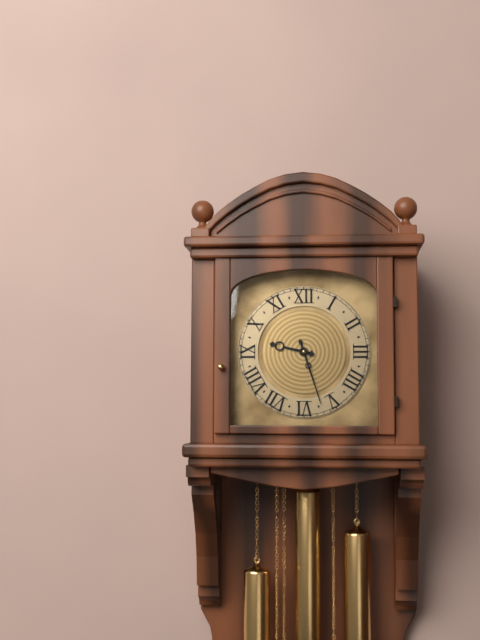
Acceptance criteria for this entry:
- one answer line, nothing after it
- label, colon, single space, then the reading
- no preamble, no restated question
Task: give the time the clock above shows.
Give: 9:27
